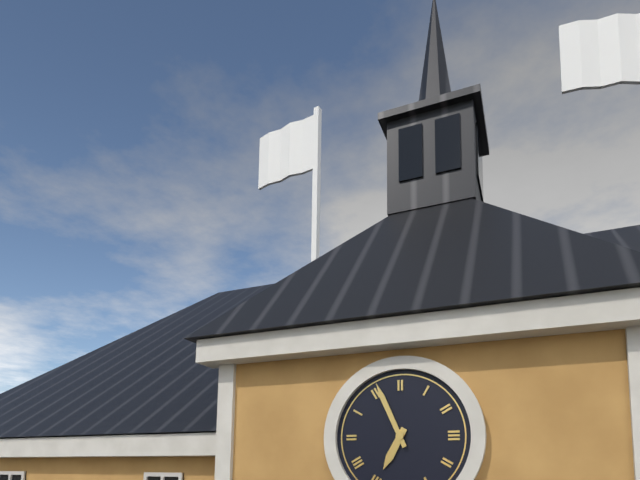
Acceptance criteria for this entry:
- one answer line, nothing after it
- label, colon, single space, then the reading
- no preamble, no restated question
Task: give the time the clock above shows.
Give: 6:56
